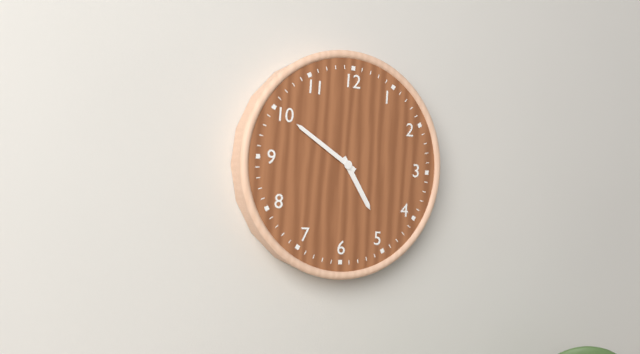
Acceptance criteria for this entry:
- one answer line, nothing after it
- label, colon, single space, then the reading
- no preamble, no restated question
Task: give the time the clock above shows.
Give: 4:50
